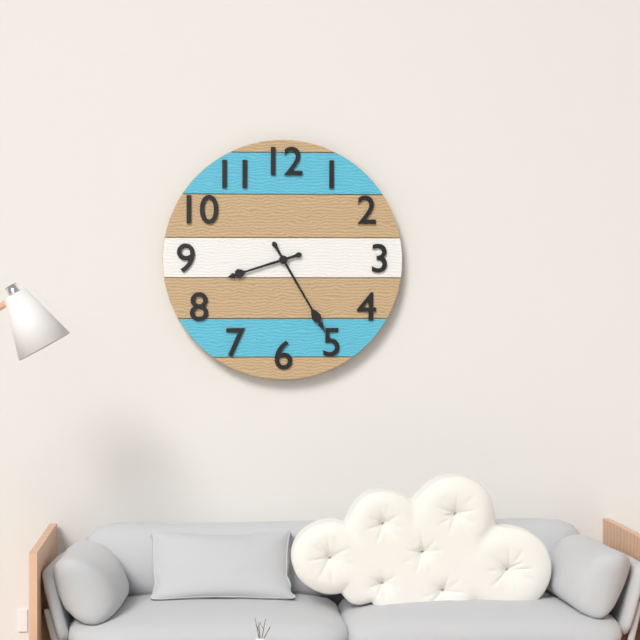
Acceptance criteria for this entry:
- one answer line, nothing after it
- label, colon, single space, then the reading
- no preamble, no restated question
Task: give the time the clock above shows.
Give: 8:25
